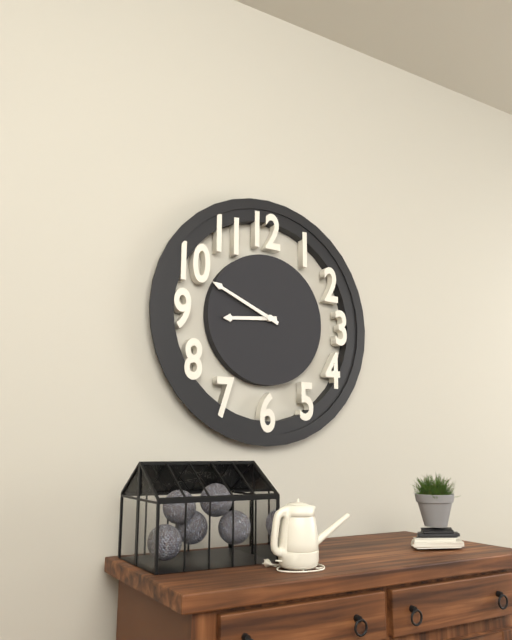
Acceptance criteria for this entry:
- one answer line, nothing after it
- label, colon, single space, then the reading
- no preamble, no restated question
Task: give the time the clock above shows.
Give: 8:49
